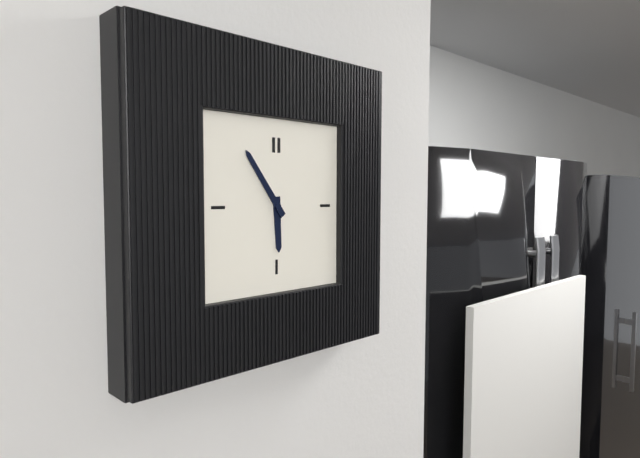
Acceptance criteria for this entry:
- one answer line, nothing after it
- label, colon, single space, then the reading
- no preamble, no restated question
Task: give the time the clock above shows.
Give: 5:54
